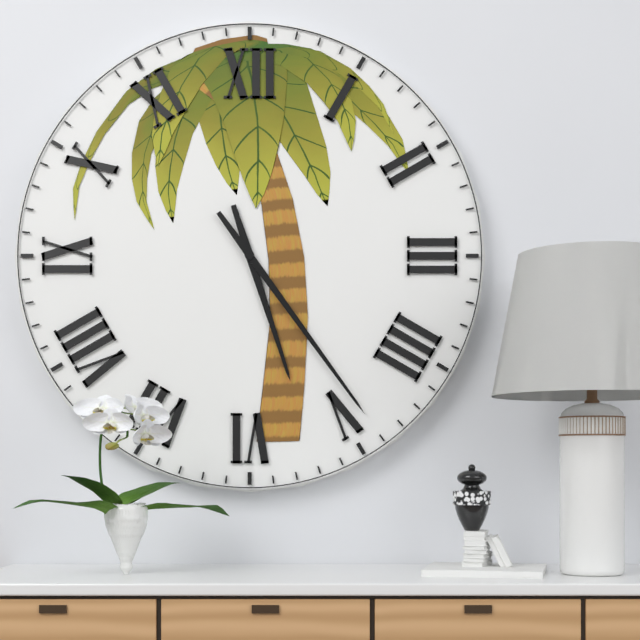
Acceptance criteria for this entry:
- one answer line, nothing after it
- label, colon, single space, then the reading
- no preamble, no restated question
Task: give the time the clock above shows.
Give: 5:24
